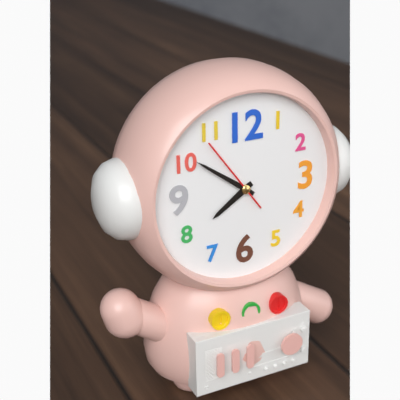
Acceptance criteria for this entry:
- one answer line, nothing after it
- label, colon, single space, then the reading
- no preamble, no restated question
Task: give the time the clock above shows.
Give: 7:51:54
